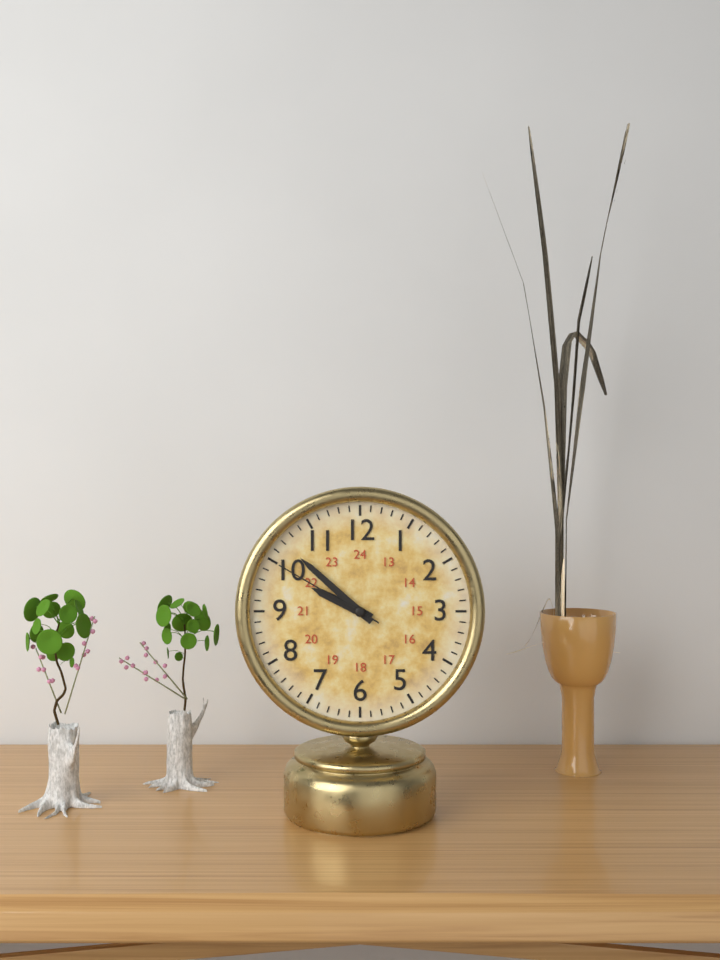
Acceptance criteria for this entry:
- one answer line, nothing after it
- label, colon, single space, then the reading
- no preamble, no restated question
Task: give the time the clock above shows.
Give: 9:52:50
